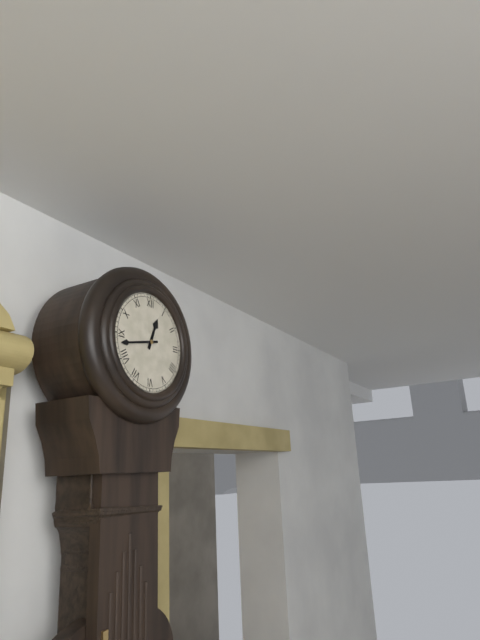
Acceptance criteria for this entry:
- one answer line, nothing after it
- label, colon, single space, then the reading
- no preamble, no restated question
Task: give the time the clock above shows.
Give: 12:43
